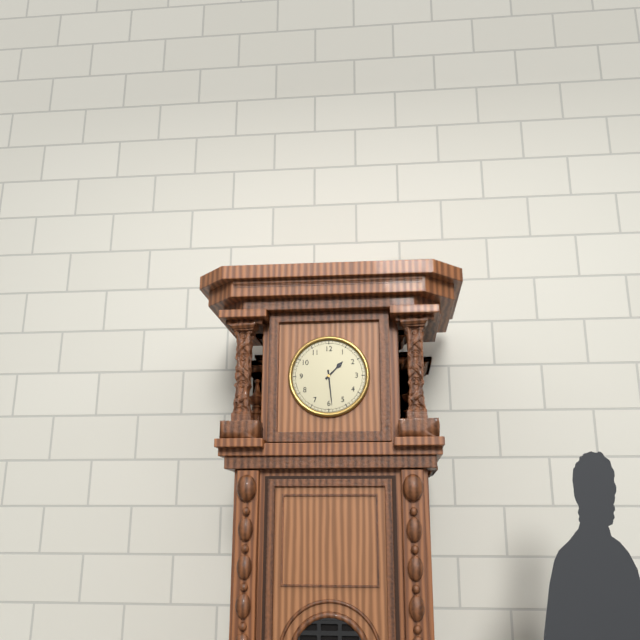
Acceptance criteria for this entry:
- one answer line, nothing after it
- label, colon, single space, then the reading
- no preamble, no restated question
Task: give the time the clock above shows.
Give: 1:29
